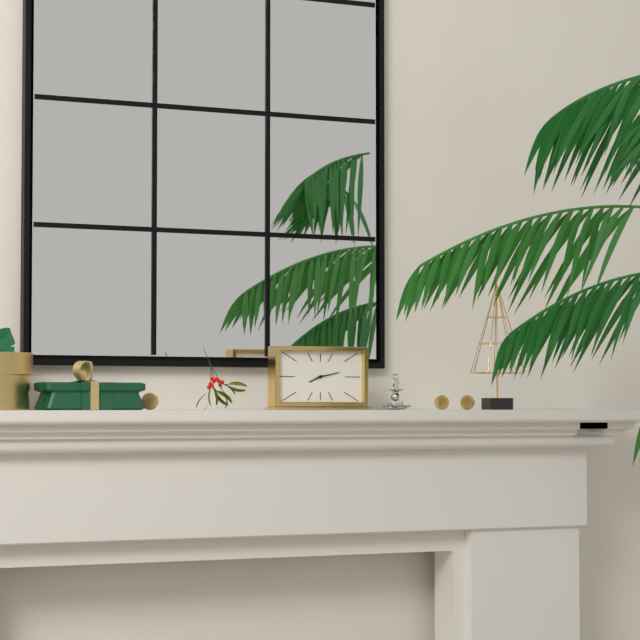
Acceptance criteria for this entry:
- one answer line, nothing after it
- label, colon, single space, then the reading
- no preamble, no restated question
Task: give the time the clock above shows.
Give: 8:13
